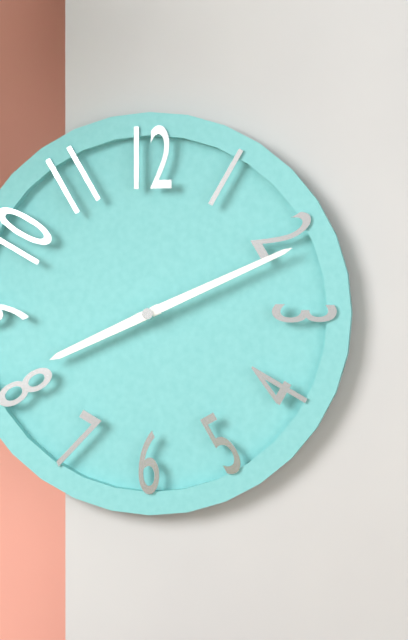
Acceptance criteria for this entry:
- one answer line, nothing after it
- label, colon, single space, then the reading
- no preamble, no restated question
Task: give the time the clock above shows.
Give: 8:11
